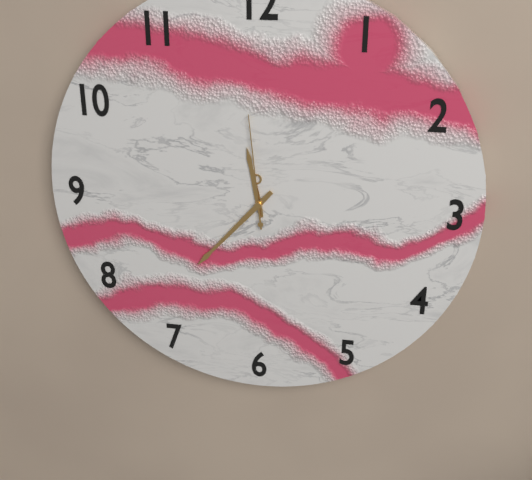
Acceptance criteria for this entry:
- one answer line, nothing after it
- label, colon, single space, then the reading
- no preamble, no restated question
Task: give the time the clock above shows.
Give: 11:37:59
